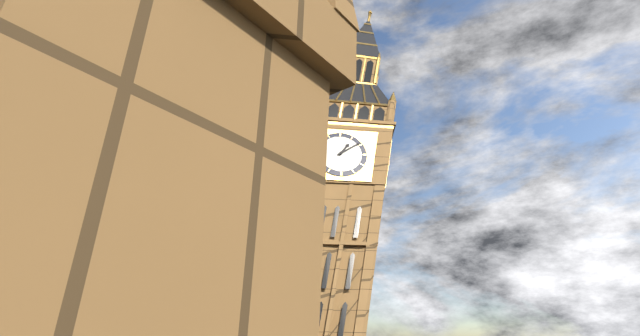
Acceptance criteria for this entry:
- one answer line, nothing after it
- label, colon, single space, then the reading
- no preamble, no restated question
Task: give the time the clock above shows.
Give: 1:09
